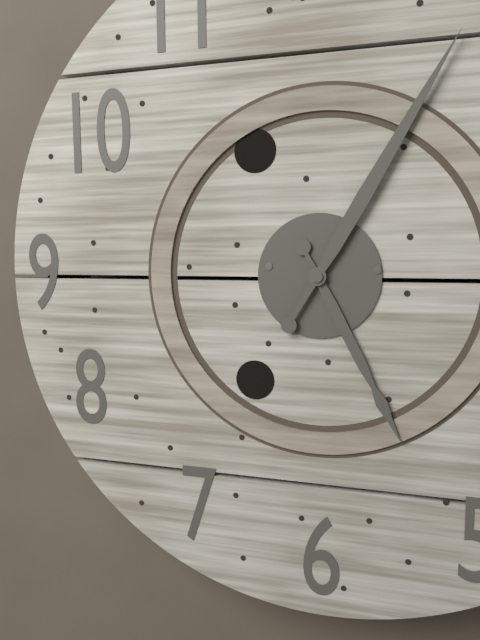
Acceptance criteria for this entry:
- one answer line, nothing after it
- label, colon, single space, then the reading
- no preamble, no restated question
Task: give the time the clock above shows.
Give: 5:05
